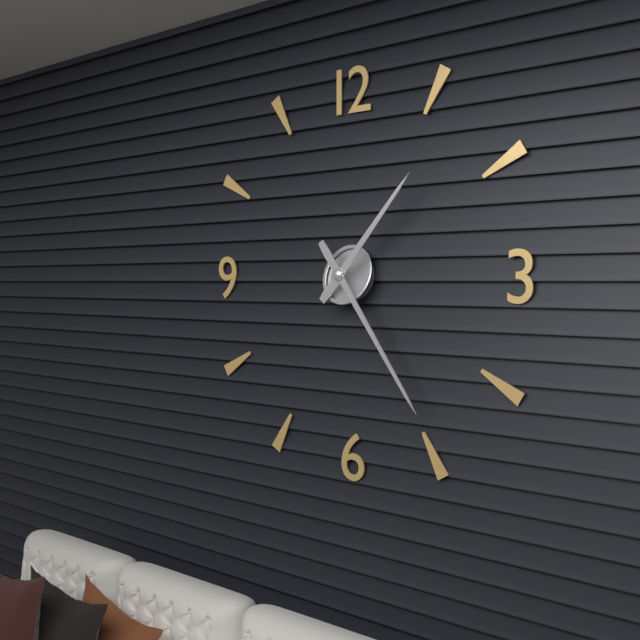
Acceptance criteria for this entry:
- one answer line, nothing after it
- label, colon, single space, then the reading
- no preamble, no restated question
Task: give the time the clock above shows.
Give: 1:24
